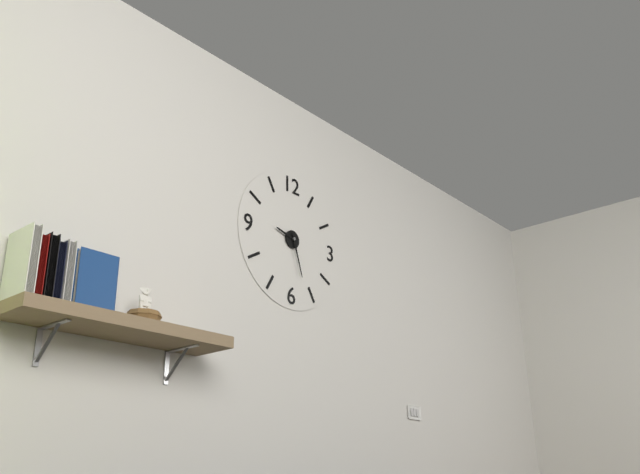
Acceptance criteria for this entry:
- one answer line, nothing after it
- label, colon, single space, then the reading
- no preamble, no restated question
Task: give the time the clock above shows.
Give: 9:27
